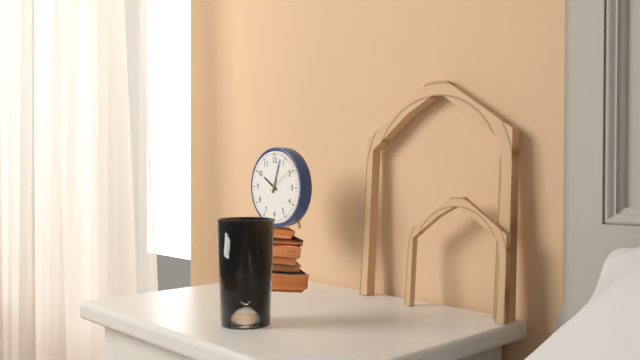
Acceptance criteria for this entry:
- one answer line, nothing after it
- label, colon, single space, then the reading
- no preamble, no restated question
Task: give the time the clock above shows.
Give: 10:03
